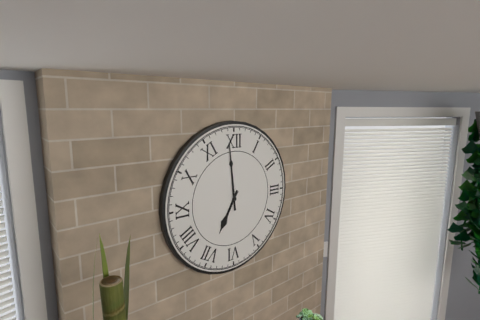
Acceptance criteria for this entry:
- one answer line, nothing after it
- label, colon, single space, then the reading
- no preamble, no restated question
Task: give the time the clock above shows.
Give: 6:59
